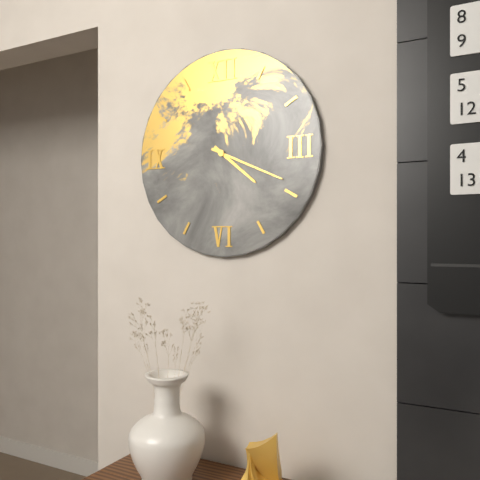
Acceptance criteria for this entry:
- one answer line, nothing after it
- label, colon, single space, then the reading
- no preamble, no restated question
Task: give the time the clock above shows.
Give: 4:19
